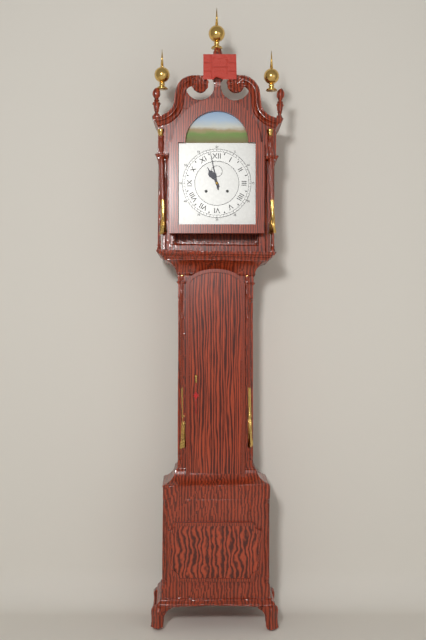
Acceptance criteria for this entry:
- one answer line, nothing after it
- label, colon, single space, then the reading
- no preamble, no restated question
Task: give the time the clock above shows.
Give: 10:58
